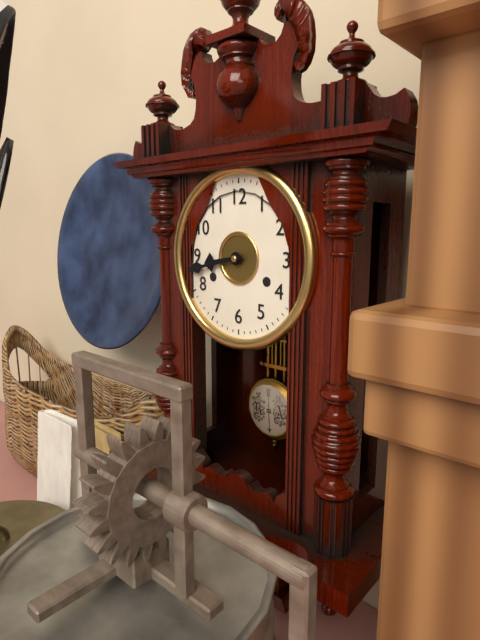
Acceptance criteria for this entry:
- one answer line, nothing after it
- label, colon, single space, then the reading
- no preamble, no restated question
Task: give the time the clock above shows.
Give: 8:43
